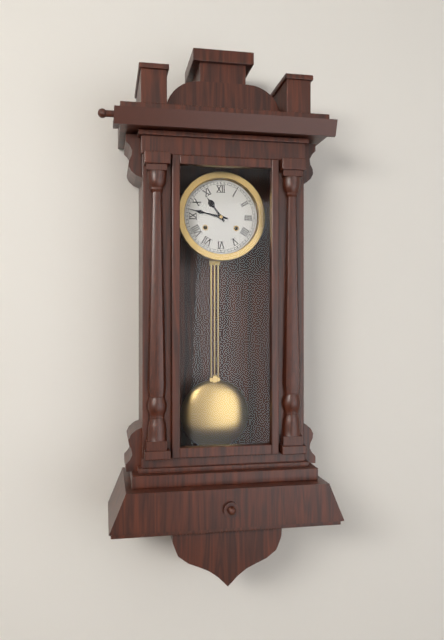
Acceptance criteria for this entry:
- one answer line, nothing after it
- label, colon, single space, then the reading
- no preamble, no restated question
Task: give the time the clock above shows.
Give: 10:47
